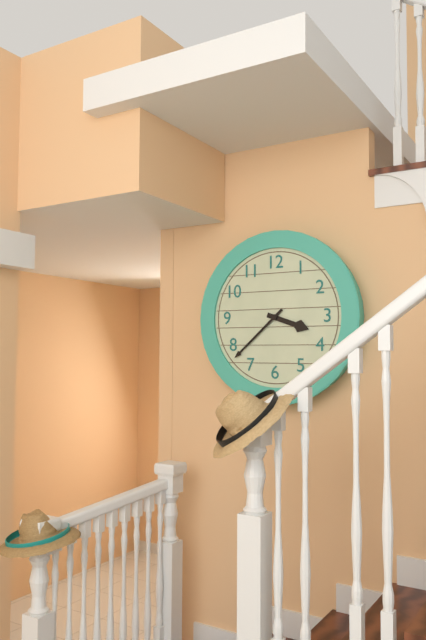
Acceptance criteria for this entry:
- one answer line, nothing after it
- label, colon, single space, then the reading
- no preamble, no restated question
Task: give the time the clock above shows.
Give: 3:38
